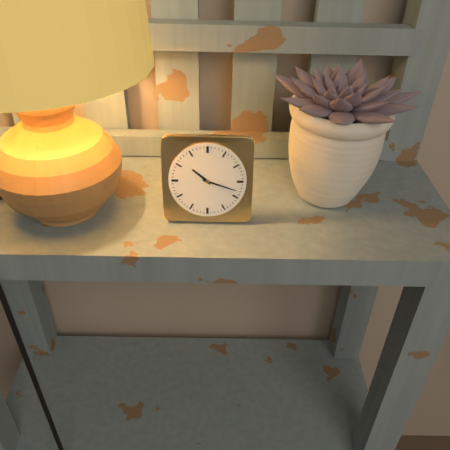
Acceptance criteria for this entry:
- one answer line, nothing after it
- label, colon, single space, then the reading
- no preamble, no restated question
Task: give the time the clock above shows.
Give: 10:18
